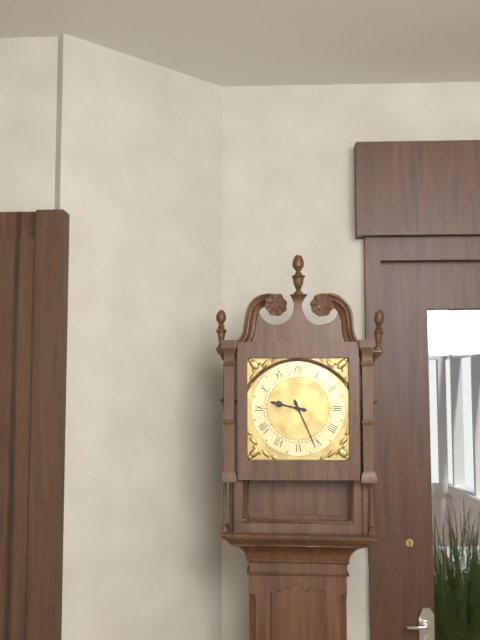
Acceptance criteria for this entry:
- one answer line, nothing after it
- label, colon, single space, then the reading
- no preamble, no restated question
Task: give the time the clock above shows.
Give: 9:26
